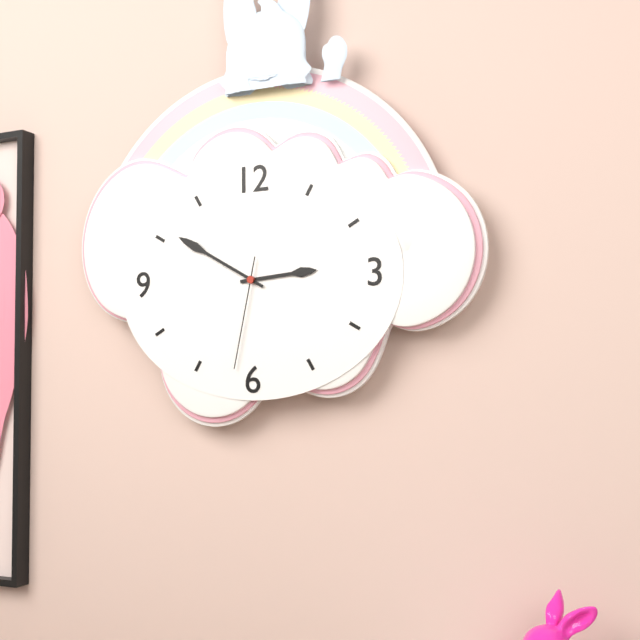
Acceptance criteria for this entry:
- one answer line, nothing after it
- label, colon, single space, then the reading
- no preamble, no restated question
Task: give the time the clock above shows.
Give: 2:50:32
